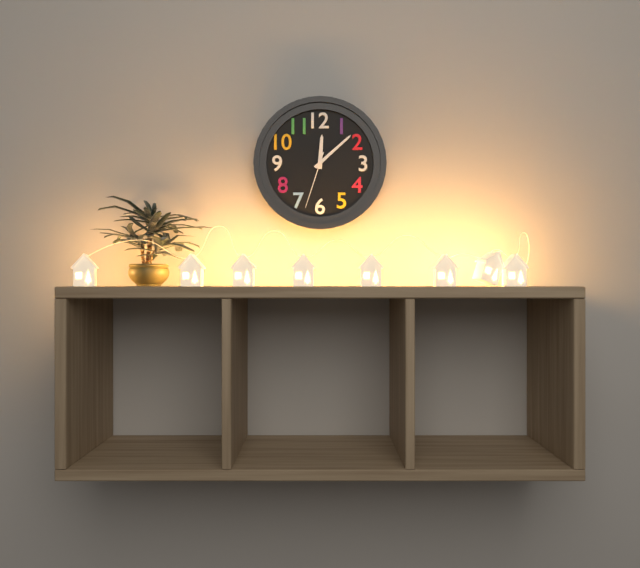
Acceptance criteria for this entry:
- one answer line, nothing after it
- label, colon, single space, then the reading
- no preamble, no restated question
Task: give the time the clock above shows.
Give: 12:08:33
